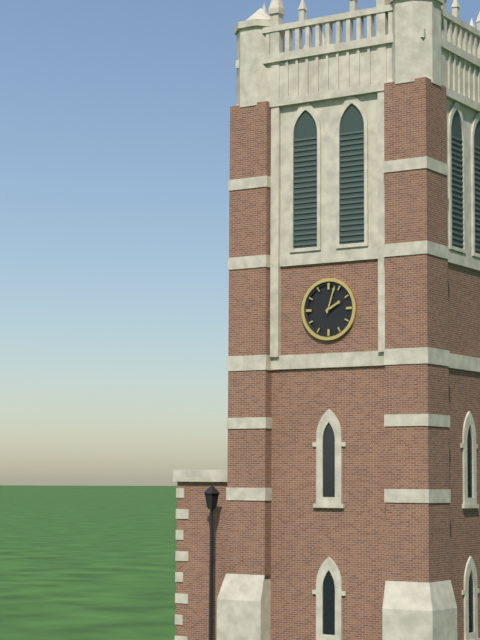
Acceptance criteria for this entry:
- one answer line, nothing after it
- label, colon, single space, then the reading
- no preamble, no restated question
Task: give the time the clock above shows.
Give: 2:03
